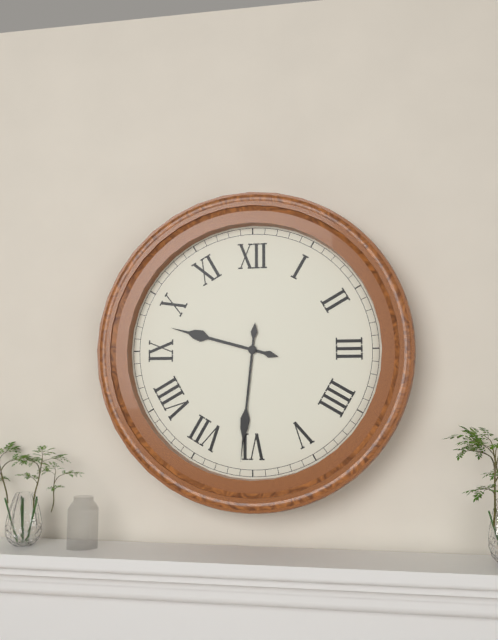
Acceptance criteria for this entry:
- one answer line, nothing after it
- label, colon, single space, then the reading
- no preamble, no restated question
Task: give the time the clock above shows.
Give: 9:31
